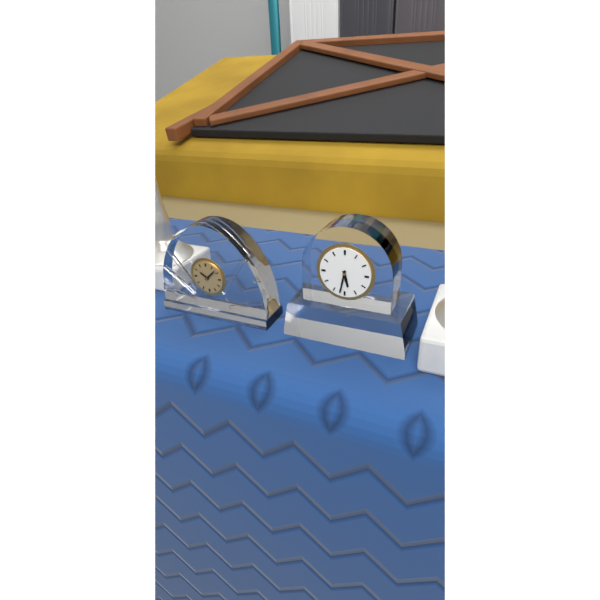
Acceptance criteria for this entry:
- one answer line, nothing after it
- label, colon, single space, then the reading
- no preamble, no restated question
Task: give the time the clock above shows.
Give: 5:32
